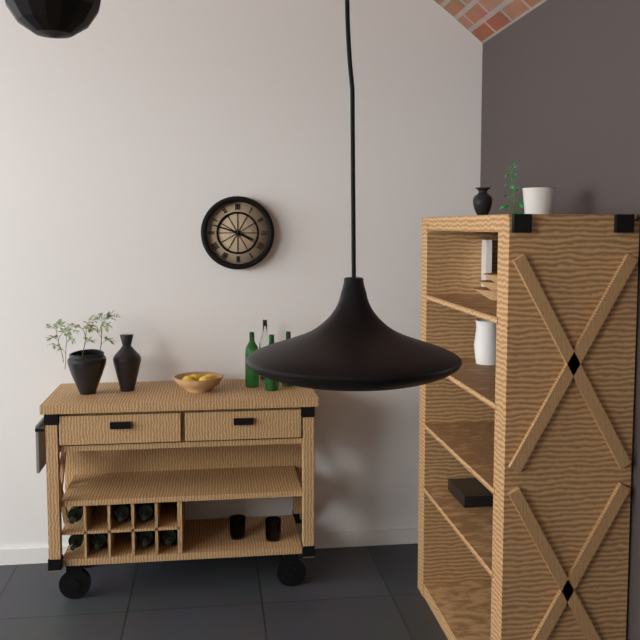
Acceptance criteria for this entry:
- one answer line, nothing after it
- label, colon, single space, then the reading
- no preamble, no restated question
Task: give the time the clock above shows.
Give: 3:48
